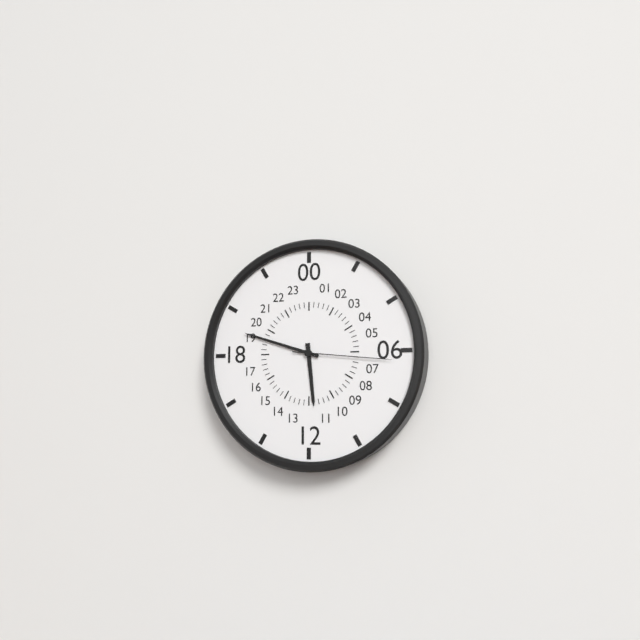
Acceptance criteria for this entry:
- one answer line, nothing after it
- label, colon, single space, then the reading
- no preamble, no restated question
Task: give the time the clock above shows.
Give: 5:48:16
